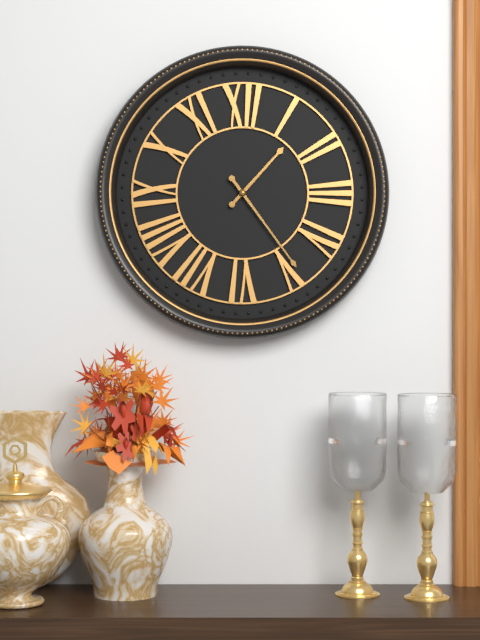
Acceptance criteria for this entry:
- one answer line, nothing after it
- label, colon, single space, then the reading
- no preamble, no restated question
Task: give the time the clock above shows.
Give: 1:24
